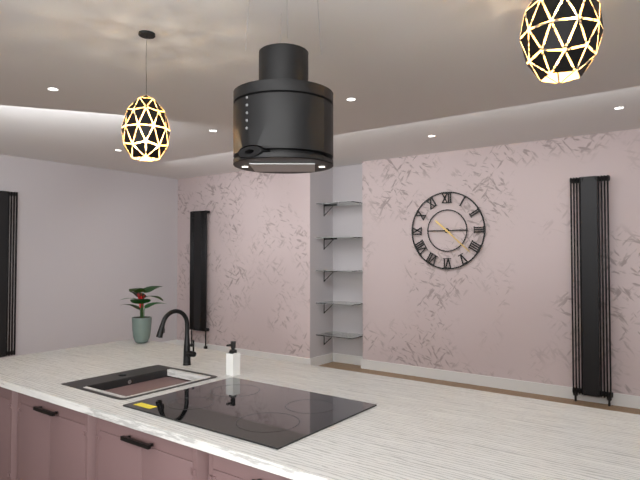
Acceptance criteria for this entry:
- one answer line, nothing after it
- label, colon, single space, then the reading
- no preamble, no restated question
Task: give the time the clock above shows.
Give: 10:22
